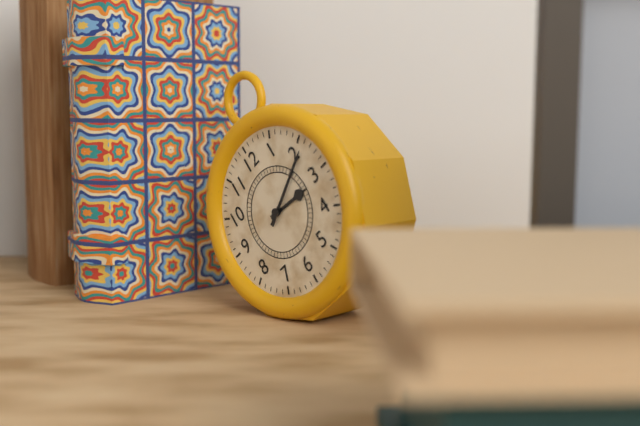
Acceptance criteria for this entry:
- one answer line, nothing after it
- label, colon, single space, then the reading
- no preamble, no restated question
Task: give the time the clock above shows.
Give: 3:11
